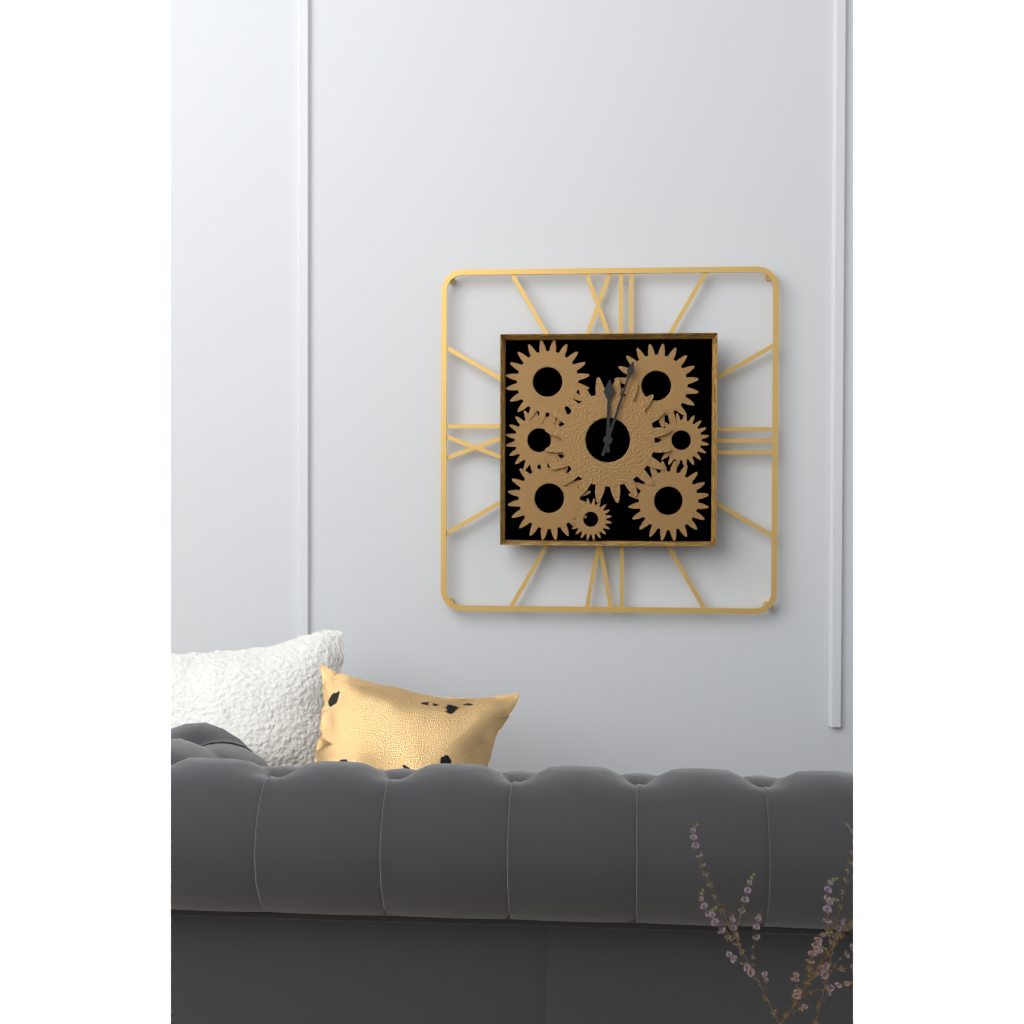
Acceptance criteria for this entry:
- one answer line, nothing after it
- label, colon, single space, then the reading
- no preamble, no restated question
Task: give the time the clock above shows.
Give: 12:03
